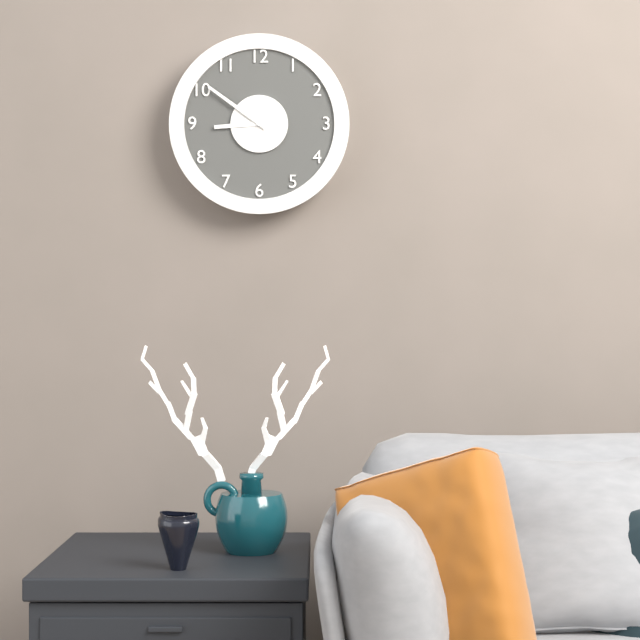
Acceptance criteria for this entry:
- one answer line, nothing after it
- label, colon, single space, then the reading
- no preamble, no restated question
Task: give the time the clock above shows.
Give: 8:51
